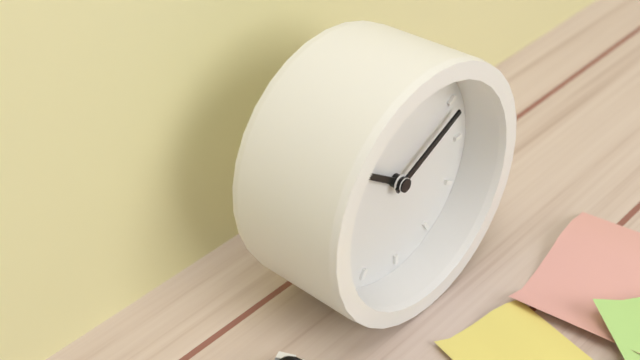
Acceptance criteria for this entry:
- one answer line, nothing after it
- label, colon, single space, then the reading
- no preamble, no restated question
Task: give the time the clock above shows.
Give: 10:11
